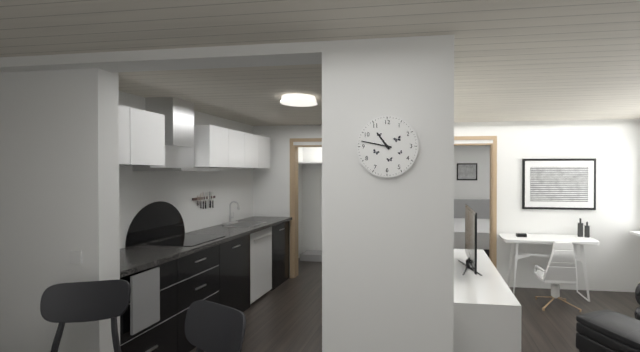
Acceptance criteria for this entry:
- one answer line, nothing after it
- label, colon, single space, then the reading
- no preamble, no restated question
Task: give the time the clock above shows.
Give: 10:47
